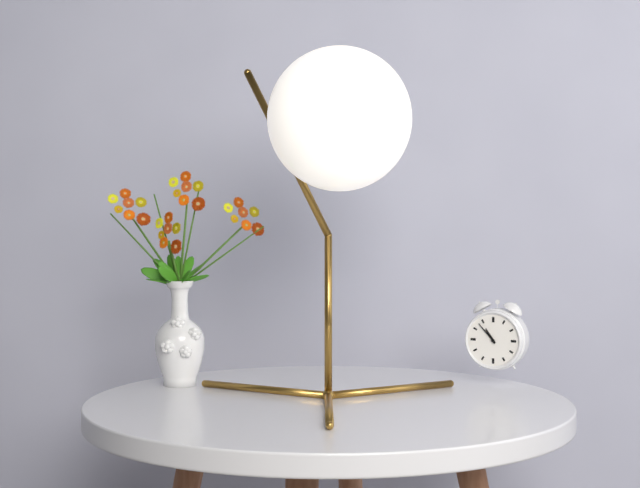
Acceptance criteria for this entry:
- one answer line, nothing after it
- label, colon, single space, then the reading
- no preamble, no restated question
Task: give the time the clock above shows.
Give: 10:53
